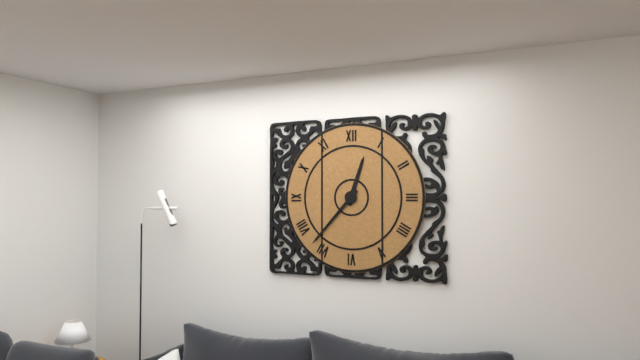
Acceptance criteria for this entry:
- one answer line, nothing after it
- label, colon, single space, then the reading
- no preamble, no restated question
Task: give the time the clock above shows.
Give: 12:37
